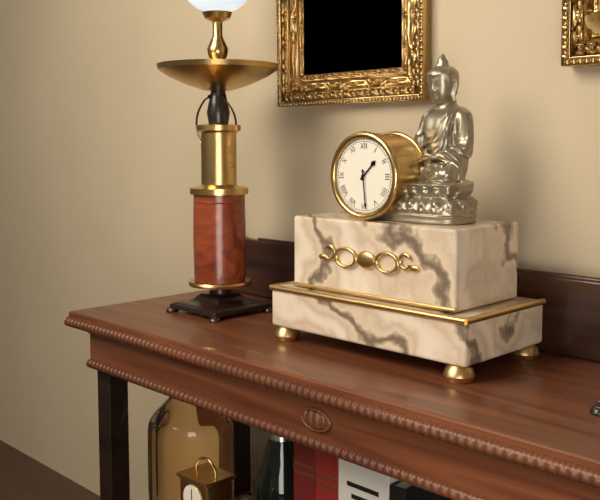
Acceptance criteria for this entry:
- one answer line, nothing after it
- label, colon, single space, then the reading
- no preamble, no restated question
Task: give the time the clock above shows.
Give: 1:29
